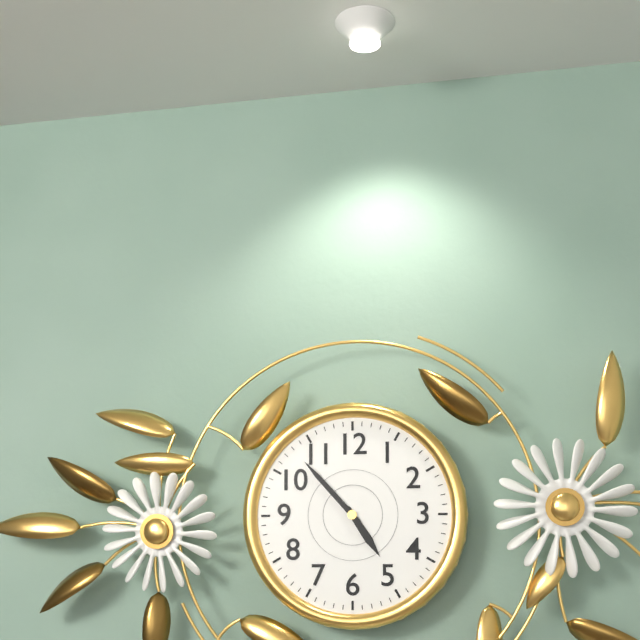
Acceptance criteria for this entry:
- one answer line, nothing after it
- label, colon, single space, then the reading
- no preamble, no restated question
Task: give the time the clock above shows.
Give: 4:53
